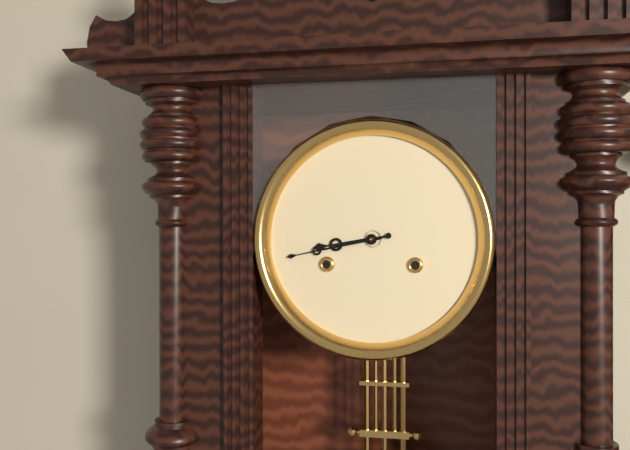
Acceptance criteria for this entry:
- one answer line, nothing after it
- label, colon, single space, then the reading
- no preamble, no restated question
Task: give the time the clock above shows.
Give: 8:43
